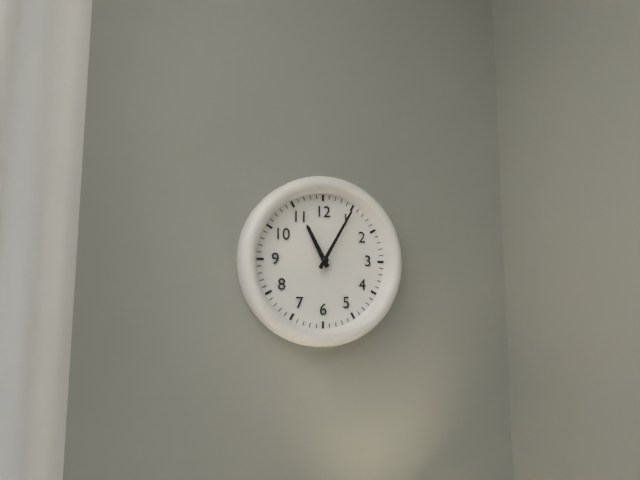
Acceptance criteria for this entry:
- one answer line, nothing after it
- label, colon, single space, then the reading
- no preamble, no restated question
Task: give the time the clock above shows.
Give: 11:05
